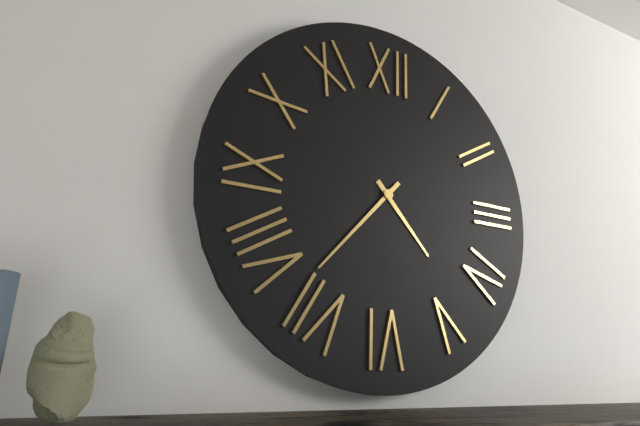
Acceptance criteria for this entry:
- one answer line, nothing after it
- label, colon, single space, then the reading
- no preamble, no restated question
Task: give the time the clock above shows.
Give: 4:37
